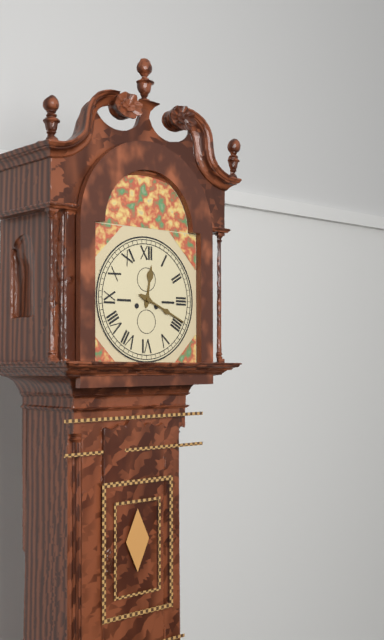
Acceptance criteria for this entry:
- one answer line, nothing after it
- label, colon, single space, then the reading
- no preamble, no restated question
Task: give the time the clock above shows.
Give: 12:19
